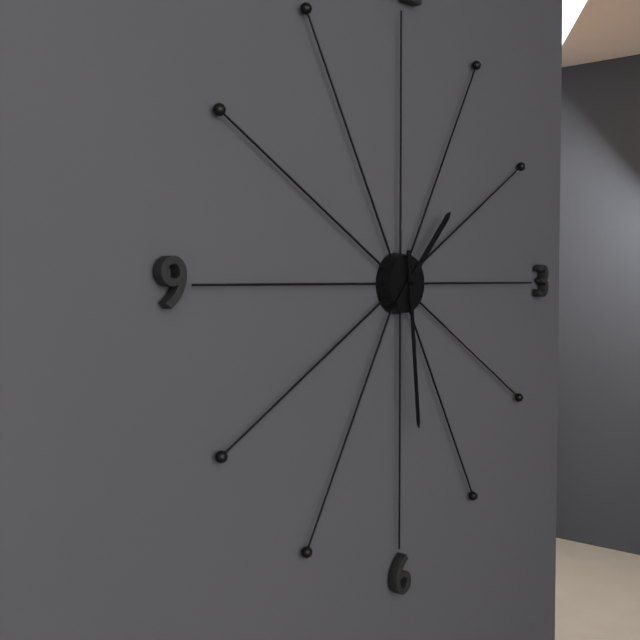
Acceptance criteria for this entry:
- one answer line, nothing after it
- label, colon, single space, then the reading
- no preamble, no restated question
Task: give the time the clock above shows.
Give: 1:29
